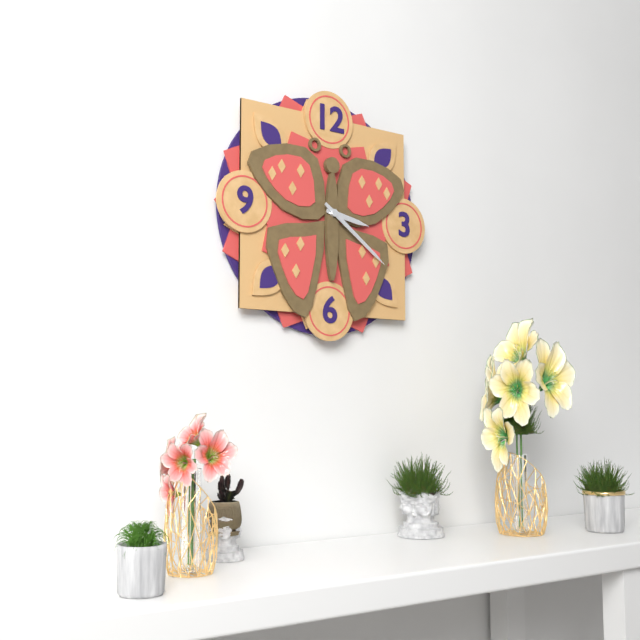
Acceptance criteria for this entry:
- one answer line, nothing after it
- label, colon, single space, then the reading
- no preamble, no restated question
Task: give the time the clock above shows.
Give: 3:21
